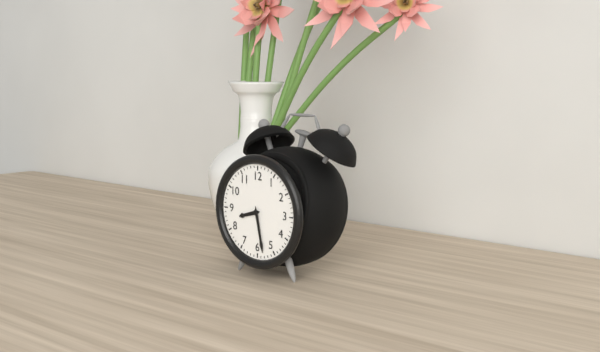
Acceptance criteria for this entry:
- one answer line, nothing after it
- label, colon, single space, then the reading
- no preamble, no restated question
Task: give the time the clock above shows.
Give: 8:28
